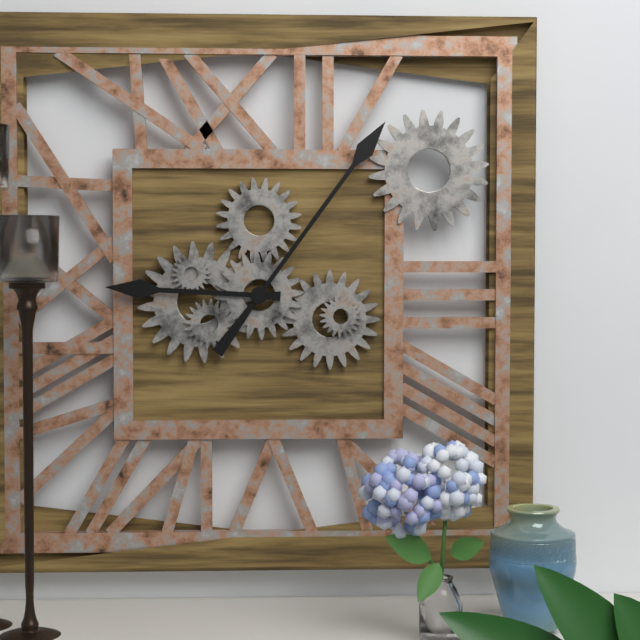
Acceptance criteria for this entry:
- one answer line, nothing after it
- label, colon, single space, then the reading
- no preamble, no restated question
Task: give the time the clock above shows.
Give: 9:06
